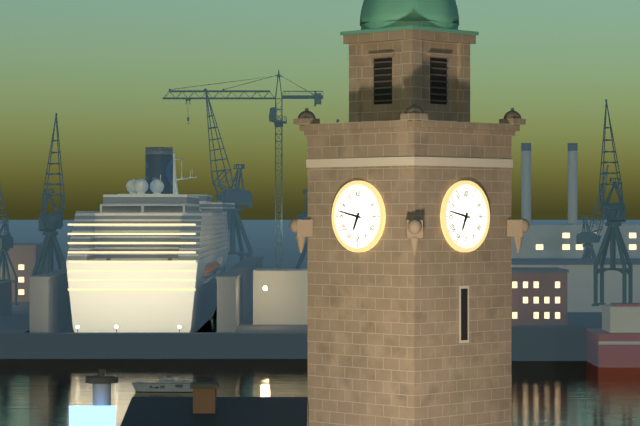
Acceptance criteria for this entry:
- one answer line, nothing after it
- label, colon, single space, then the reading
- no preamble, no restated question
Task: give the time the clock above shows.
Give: 6:47
